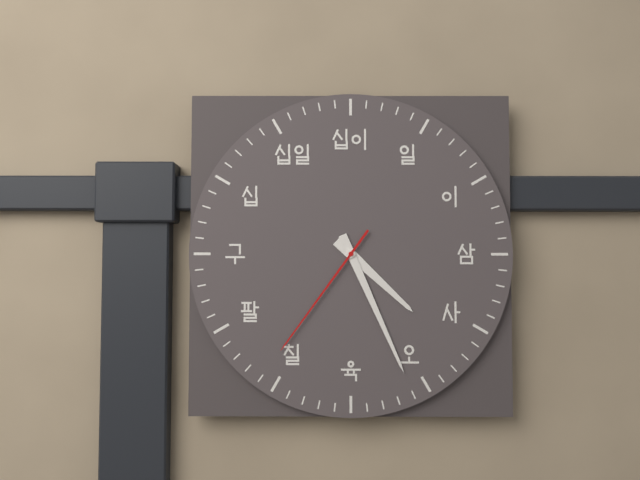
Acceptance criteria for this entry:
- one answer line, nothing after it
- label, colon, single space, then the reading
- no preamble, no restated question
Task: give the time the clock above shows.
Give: 4:26:36
